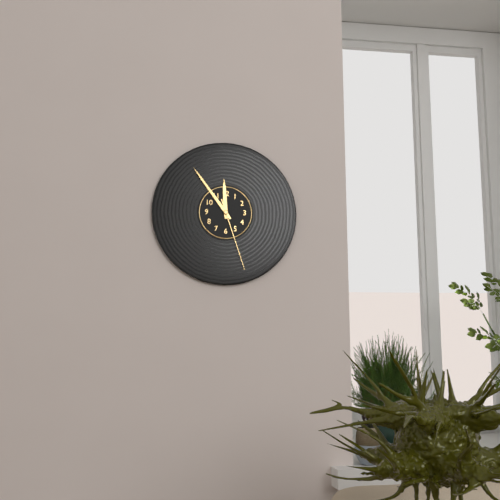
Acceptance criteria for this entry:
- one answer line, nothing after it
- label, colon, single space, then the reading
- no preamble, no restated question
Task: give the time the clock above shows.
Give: 11:54:27
